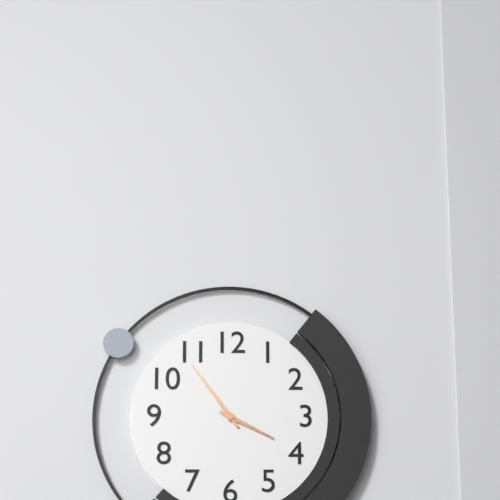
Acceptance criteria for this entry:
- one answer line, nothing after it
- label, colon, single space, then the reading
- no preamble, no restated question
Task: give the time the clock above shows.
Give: 3:54
